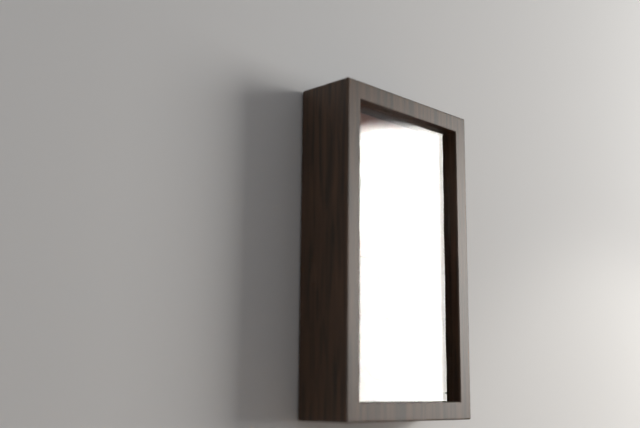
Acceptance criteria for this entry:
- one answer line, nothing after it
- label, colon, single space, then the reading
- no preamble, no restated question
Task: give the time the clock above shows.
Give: 12:08
